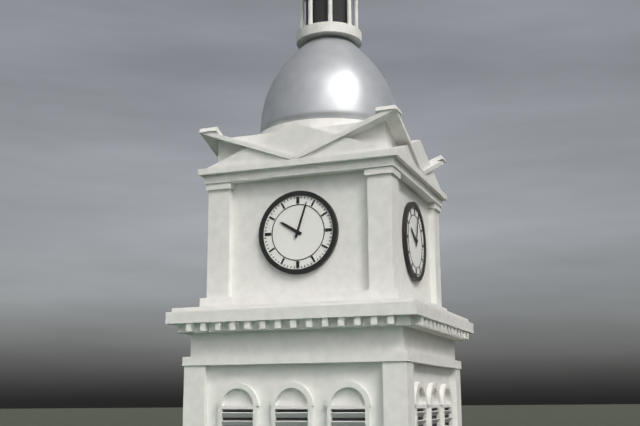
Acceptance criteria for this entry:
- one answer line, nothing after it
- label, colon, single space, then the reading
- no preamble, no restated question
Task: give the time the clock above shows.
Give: 10:03
